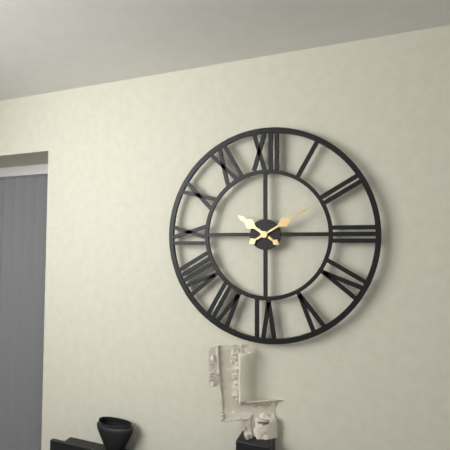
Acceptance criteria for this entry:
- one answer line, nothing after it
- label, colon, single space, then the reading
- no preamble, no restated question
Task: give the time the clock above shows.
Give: 10:10
